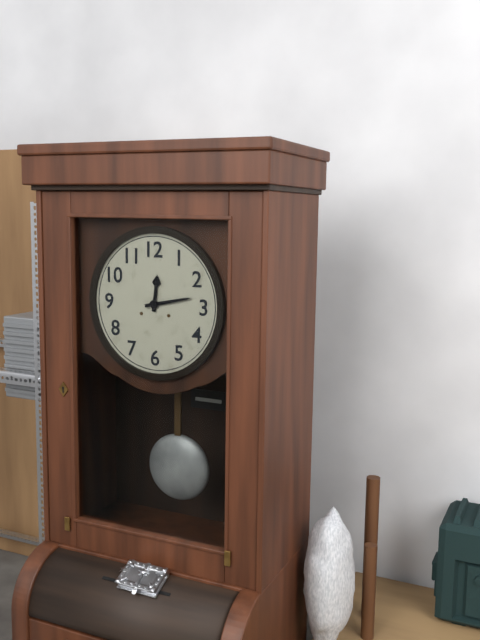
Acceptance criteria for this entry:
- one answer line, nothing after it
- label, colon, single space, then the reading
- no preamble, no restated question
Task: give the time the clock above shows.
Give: 12:13
